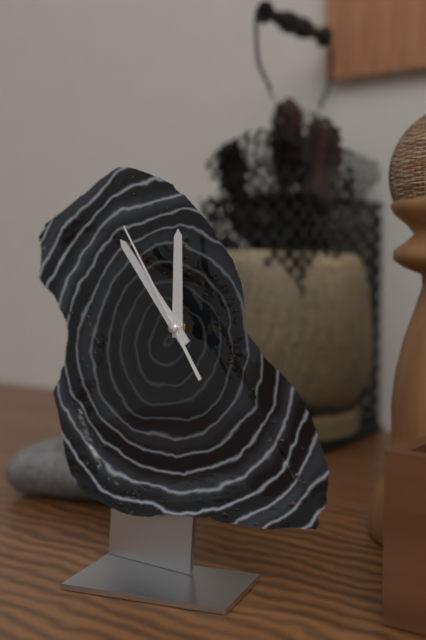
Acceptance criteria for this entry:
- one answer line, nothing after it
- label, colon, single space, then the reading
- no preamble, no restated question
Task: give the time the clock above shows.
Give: 11:53:54
